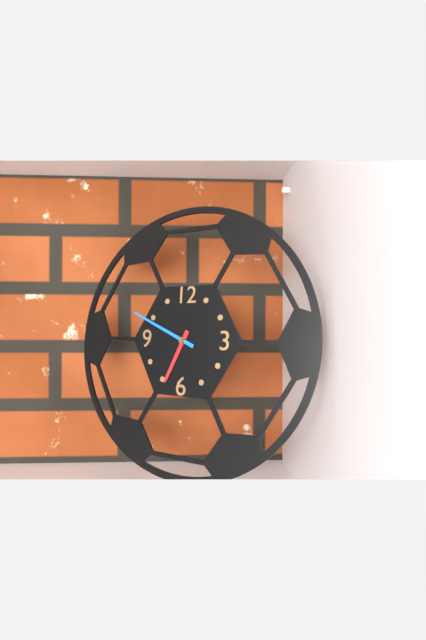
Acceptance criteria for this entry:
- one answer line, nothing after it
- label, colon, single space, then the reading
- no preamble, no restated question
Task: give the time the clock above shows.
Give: 6:49
